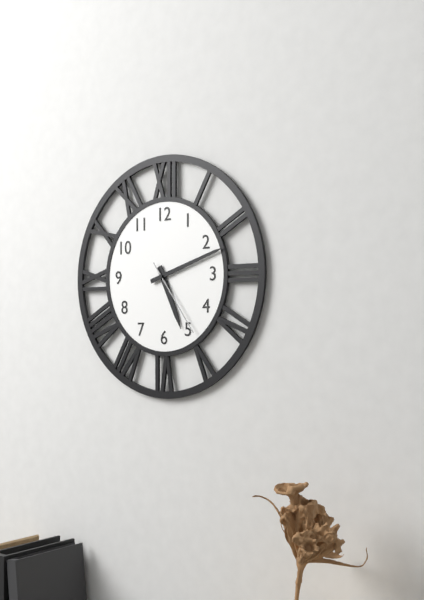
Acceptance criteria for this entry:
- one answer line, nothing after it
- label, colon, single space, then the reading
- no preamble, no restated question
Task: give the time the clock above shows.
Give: 5:12:24
